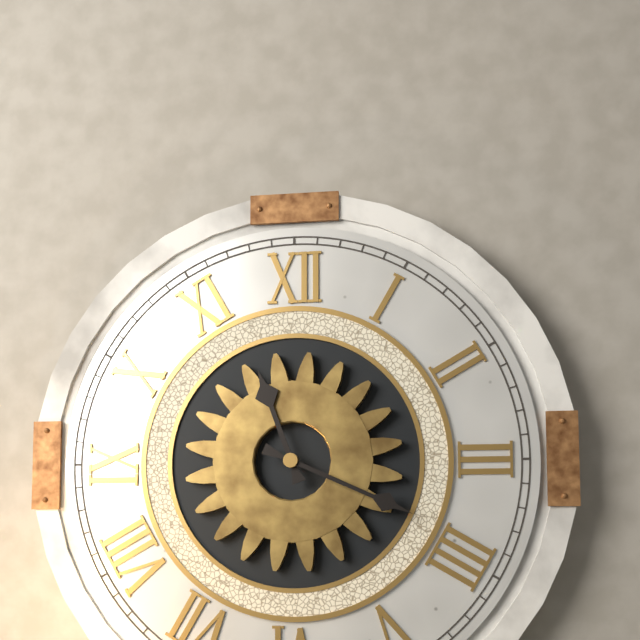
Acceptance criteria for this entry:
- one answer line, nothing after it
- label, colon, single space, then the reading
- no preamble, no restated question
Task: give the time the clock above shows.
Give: 11:19
